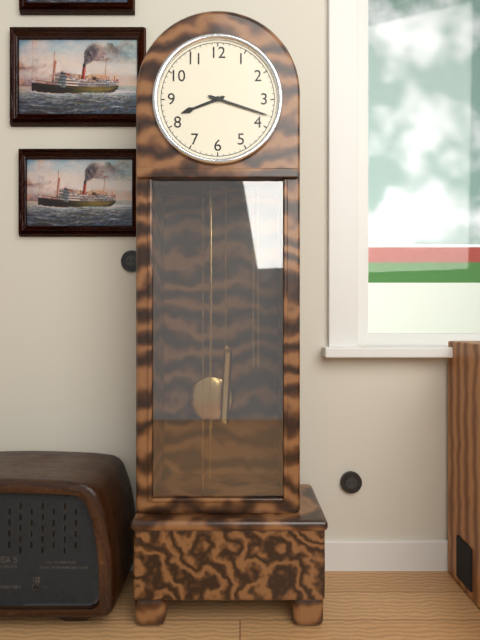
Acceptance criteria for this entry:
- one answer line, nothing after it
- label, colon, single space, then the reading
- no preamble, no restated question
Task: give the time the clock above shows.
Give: 8:18
